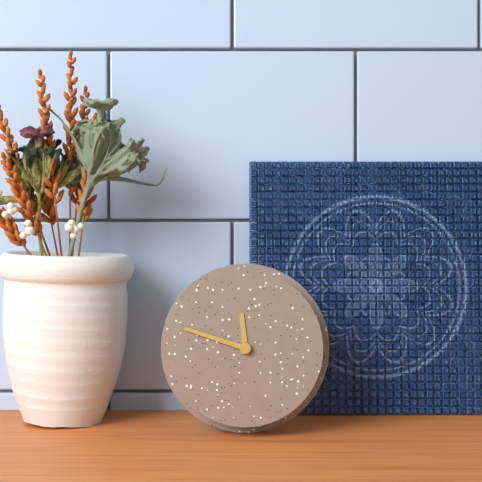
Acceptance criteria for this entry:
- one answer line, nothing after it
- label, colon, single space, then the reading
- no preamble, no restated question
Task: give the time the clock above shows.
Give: 11:48
